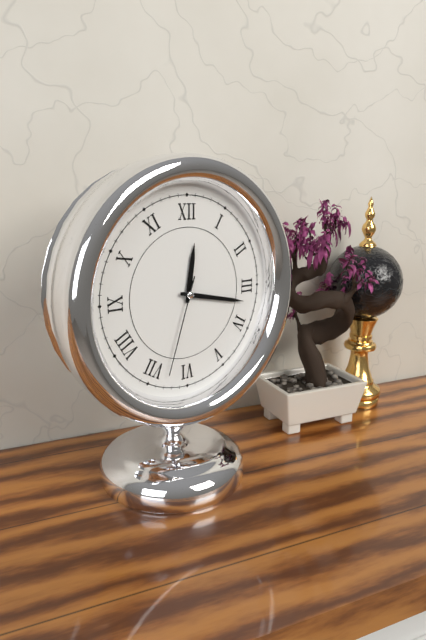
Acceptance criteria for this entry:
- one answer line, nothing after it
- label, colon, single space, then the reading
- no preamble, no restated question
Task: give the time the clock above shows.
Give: 12:17:33
